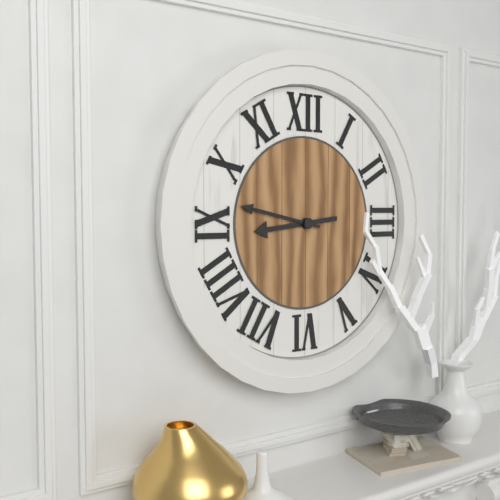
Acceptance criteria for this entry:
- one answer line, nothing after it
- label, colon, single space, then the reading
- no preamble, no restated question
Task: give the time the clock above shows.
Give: 8:47
